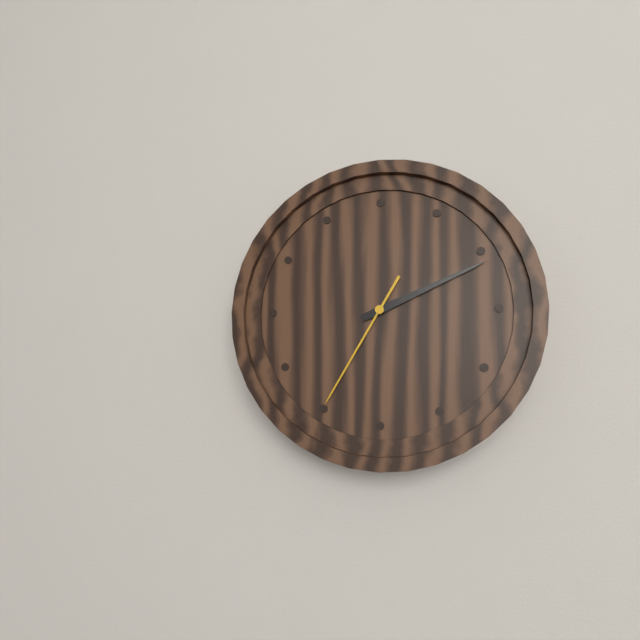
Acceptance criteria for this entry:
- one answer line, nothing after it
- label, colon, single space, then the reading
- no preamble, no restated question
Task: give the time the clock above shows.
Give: 2:11:35
